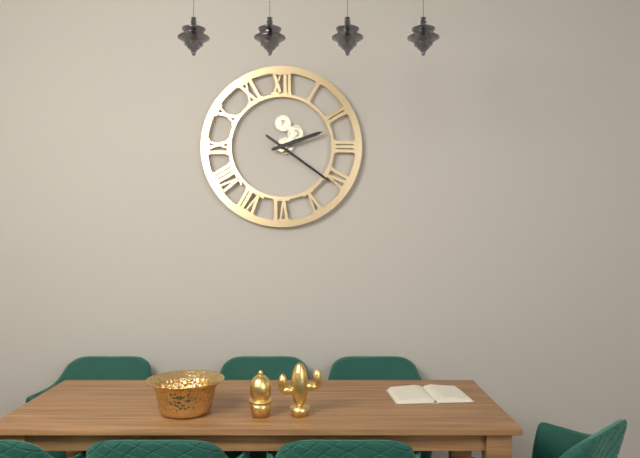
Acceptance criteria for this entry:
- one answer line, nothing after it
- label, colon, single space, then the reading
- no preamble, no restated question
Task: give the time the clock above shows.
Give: 2:21
